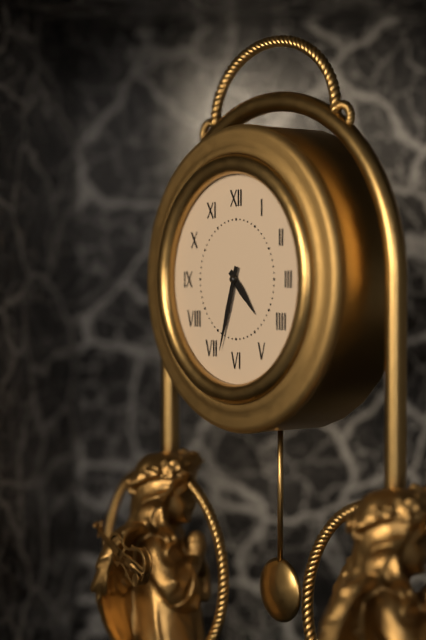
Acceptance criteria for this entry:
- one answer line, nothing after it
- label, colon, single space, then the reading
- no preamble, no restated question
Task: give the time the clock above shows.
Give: 4:33
